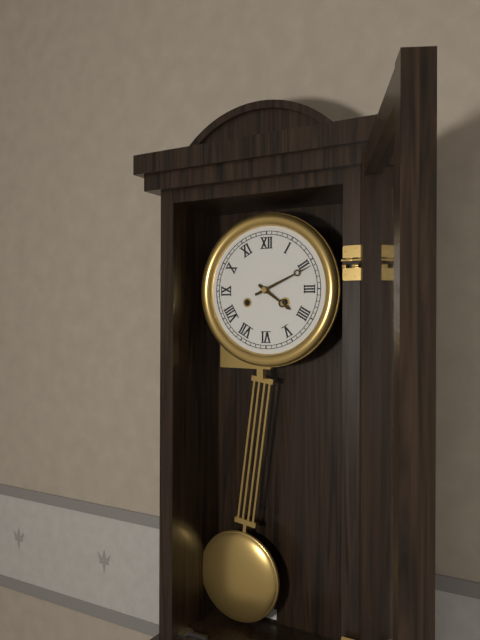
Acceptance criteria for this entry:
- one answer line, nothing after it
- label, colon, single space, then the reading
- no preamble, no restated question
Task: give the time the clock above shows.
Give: 4:11
